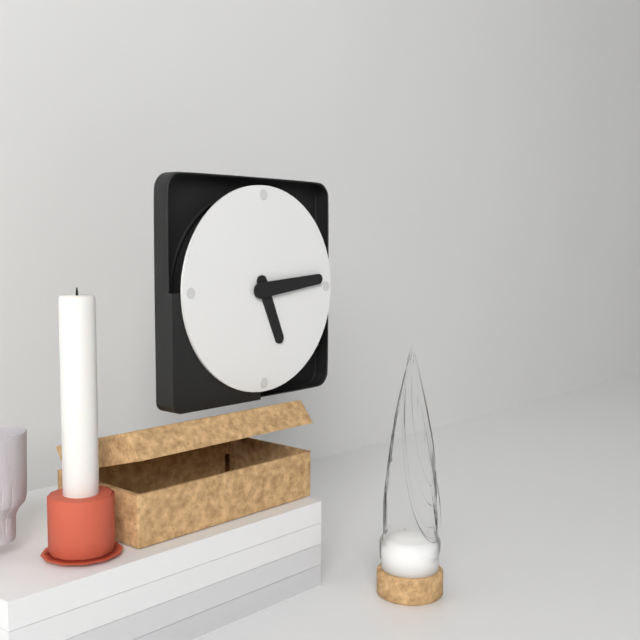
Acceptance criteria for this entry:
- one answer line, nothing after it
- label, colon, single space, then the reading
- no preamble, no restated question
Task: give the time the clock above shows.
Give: 5:14
